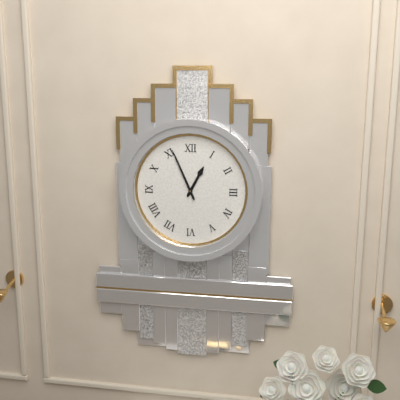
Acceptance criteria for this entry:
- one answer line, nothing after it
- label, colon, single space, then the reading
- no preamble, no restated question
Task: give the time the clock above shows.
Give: 12:56
